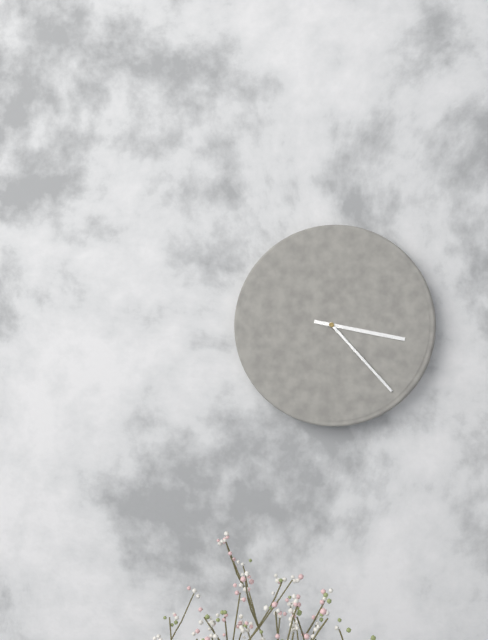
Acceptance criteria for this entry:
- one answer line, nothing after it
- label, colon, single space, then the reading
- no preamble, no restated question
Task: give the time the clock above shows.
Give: 3:23
